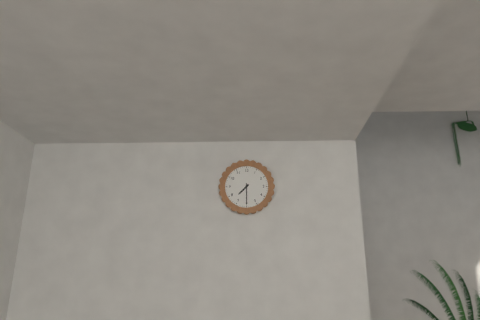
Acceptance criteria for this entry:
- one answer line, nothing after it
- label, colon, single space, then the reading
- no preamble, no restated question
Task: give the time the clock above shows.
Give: 7:30
